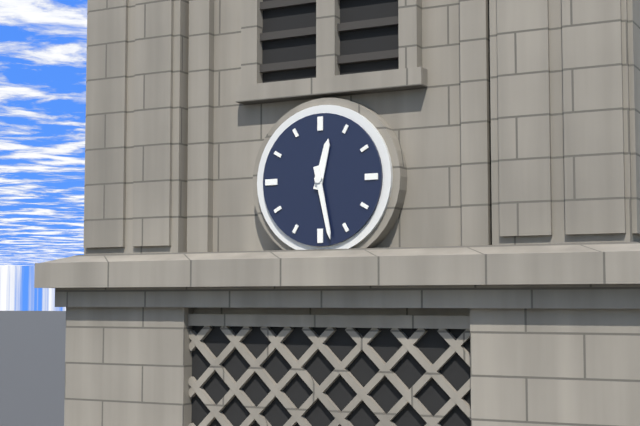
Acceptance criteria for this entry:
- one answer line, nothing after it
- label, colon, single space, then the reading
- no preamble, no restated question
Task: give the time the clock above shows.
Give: 12:28
